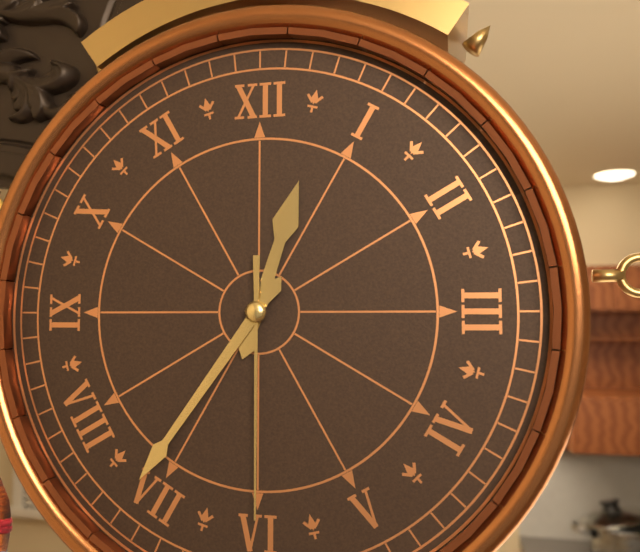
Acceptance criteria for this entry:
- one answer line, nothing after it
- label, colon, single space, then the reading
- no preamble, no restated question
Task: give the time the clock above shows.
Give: 12:36:30
